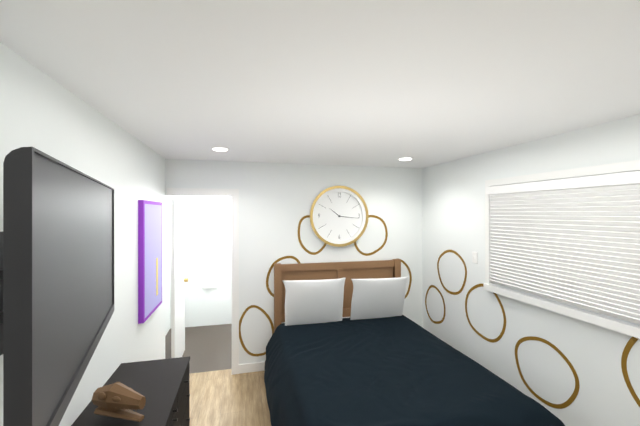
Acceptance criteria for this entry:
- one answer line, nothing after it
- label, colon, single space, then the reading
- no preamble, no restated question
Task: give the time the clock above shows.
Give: 10:16
